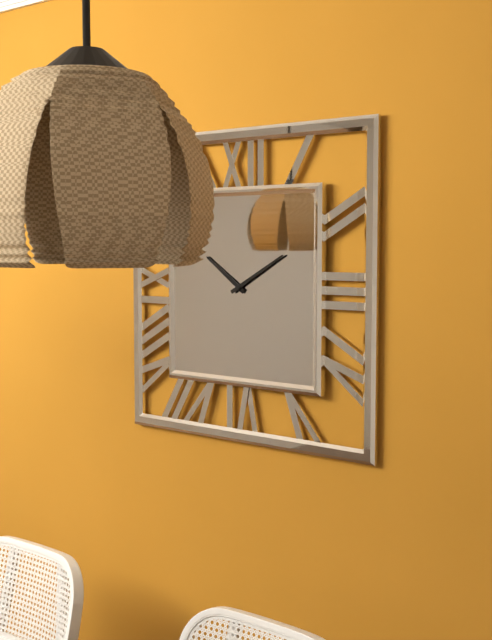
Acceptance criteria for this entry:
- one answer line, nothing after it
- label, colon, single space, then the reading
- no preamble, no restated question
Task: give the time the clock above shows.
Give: 10:10
